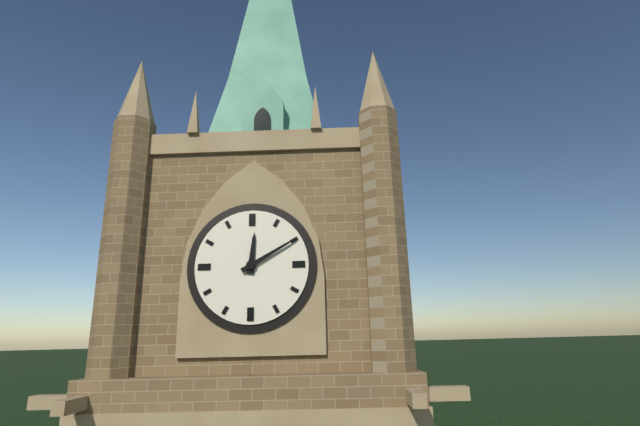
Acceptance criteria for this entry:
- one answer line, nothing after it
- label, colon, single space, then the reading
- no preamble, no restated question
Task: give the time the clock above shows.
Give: 12:10
